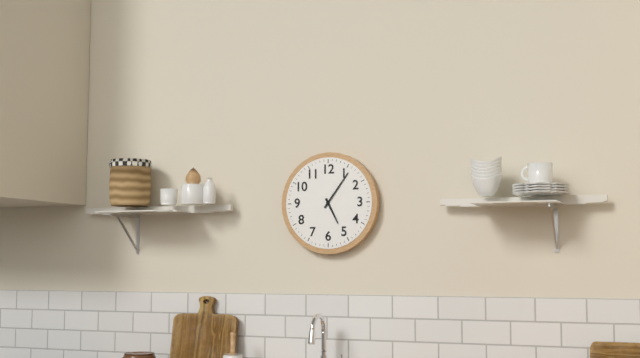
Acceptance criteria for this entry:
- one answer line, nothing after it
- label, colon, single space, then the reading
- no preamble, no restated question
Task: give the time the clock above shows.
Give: 5:06
